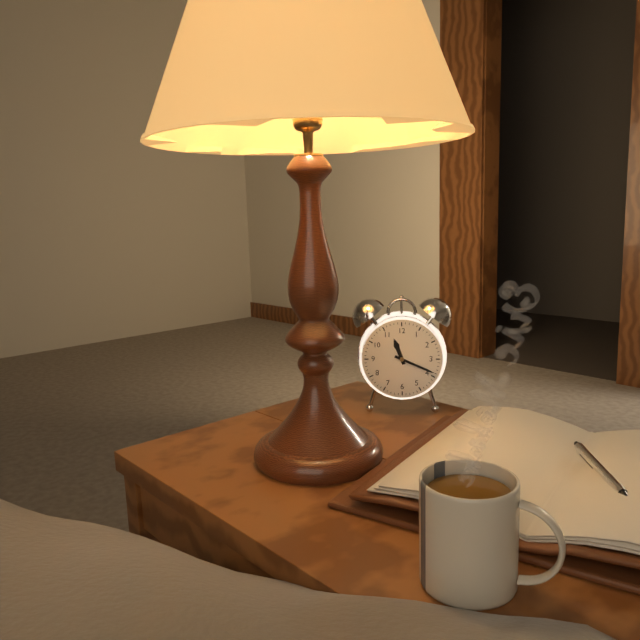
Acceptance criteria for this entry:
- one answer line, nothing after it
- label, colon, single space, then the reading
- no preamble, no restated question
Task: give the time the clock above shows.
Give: 11:19
